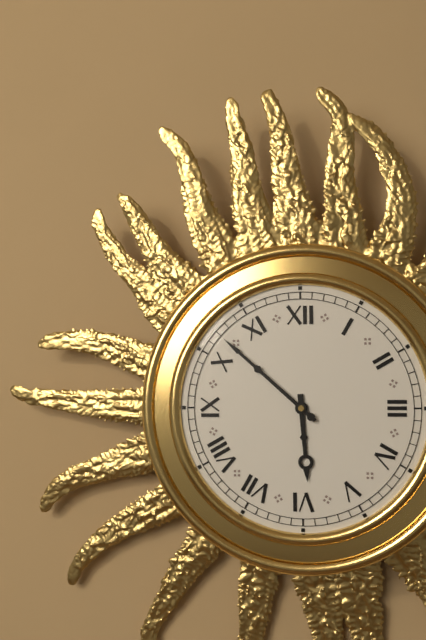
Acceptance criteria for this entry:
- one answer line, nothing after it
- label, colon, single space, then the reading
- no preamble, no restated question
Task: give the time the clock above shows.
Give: 5:52
